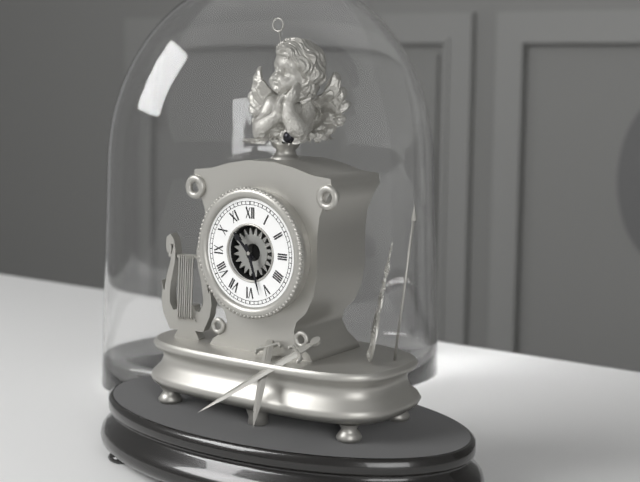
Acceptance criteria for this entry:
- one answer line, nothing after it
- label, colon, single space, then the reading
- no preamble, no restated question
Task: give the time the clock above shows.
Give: 10:27
